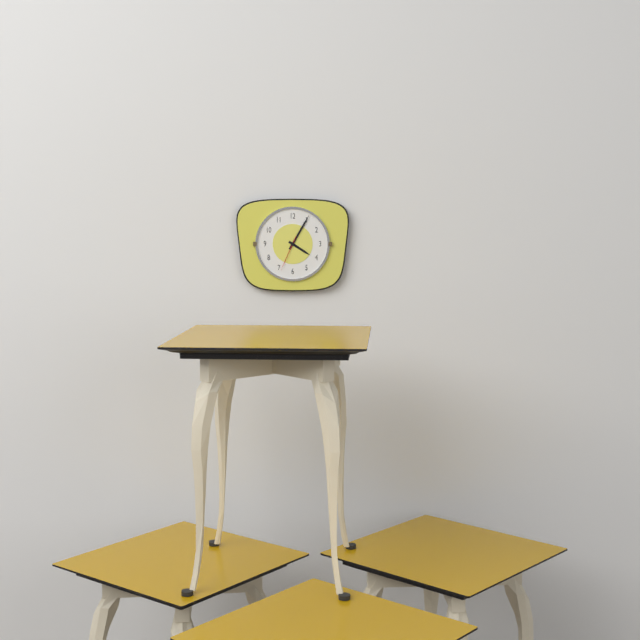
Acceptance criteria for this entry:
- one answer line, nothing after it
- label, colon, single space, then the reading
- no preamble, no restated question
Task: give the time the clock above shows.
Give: 4:05
